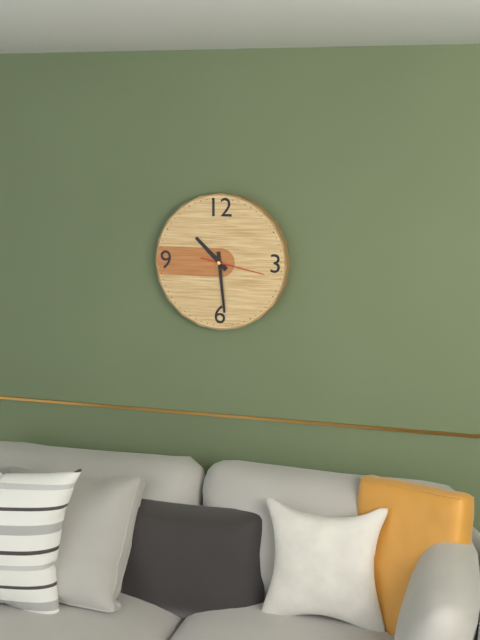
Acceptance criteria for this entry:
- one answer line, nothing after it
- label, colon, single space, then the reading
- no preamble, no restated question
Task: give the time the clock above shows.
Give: 10:29:17
